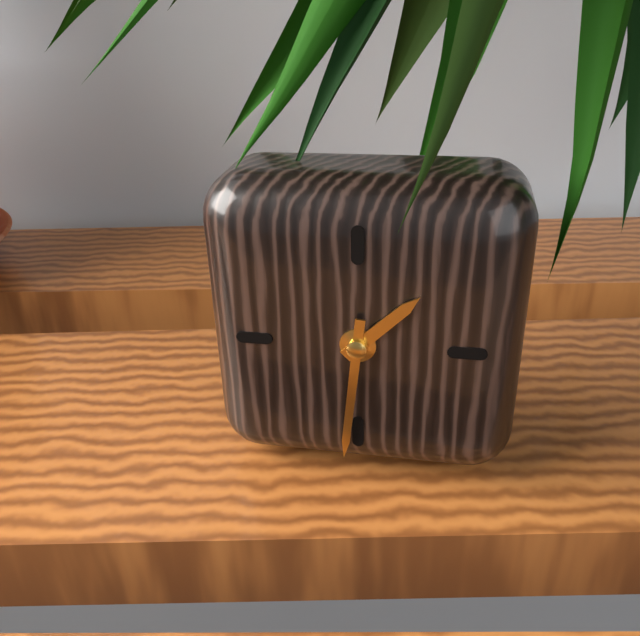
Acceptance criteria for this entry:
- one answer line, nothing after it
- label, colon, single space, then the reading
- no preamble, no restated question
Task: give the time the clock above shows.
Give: 1:31
